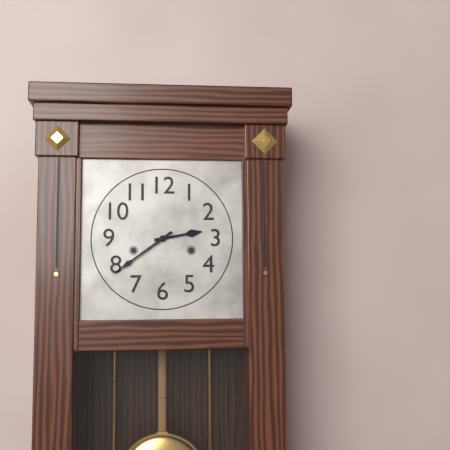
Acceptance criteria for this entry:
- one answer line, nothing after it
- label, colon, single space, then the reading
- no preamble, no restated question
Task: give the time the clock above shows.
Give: 2:39
